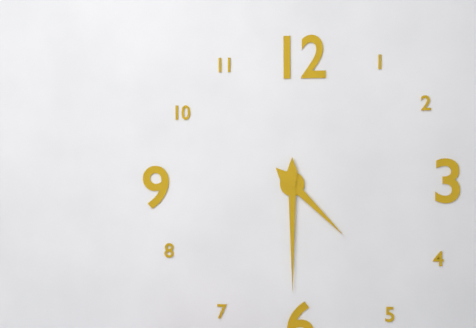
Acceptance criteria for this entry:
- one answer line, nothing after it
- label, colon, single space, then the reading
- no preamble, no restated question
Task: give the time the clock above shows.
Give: 4:30
